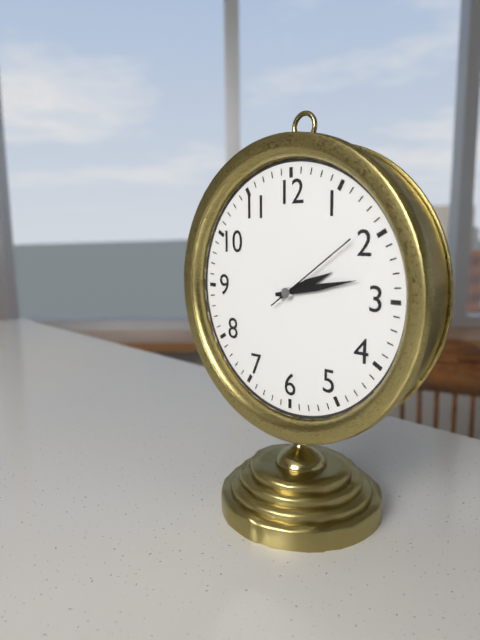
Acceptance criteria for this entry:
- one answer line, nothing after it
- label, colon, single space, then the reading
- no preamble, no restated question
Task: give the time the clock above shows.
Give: 2:13:09
